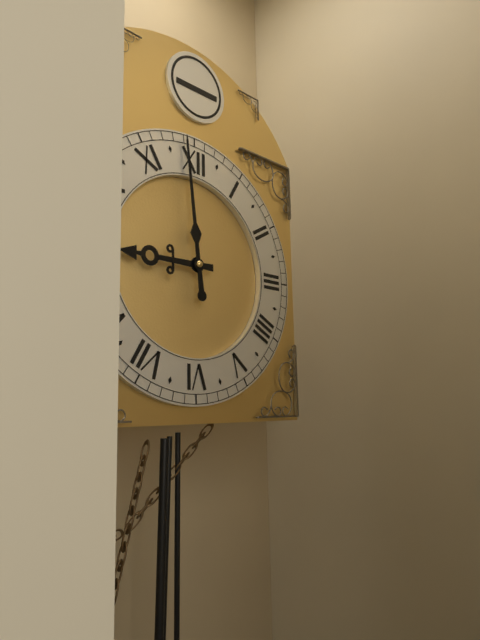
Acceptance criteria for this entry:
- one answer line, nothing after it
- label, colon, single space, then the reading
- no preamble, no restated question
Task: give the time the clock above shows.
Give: 8:59
